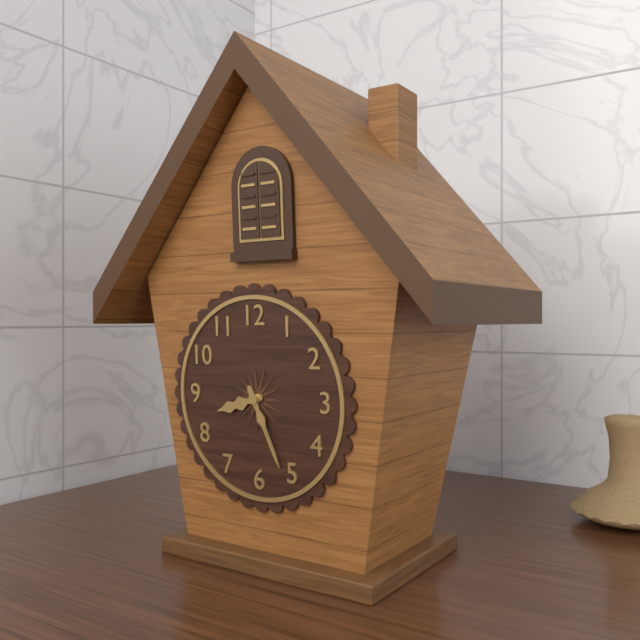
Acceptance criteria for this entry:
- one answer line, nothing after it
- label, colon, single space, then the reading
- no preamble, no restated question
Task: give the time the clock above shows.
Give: 8:26
